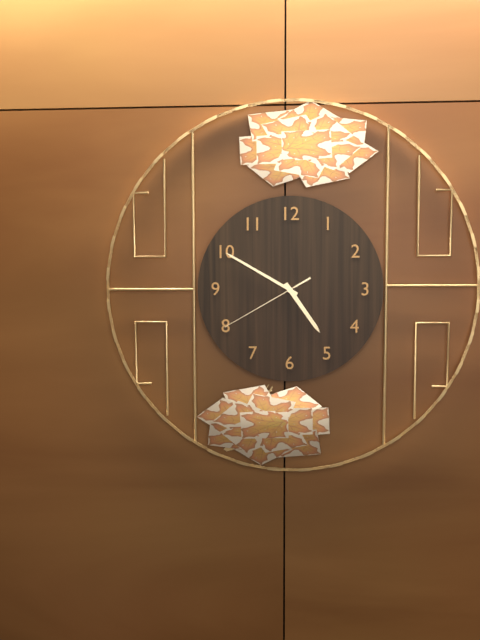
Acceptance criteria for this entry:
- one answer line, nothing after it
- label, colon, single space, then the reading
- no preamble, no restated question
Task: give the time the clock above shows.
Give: 4:50:40
